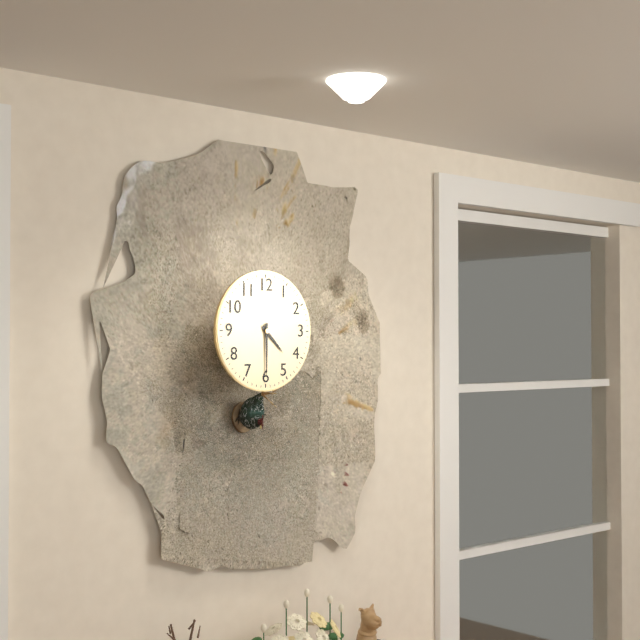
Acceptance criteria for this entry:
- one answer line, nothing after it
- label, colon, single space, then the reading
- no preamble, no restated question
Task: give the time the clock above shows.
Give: 4:30
